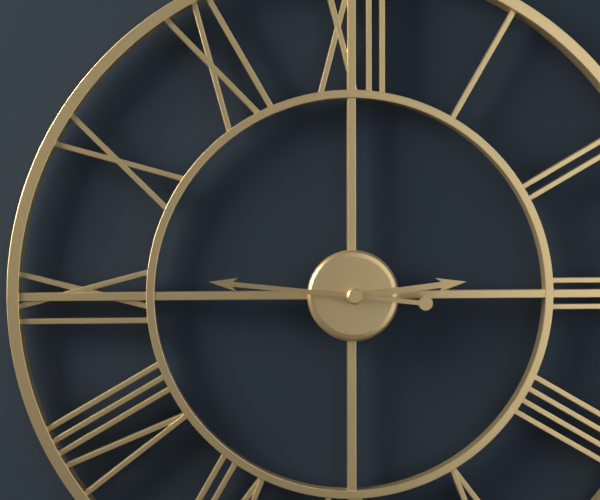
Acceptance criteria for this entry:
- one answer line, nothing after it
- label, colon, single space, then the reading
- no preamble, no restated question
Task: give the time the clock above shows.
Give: 2:46
